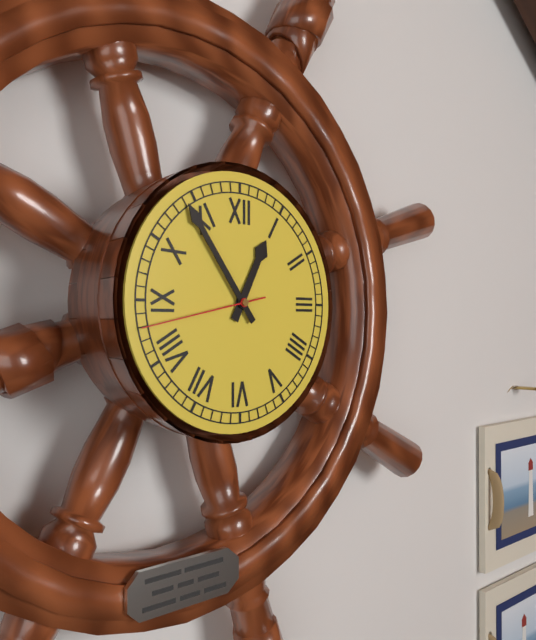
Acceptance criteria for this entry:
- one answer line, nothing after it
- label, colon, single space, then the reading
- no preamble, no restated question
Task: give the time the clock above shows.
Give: 12:54:43
